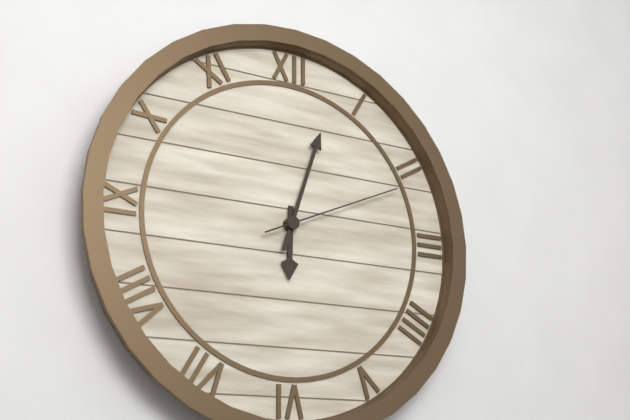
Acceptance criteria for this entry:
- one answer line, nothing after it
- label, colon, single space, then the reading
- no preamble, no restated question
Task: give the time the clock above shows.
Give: 6:03:11
